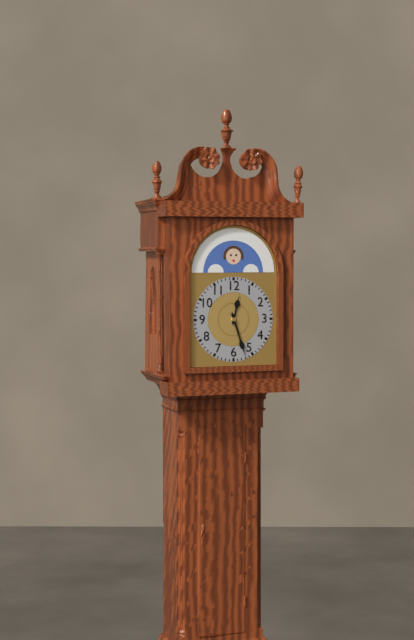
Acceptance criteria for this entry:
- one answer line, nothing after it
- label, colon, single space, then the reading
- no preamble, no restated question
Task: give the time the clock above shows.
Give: 12:27
